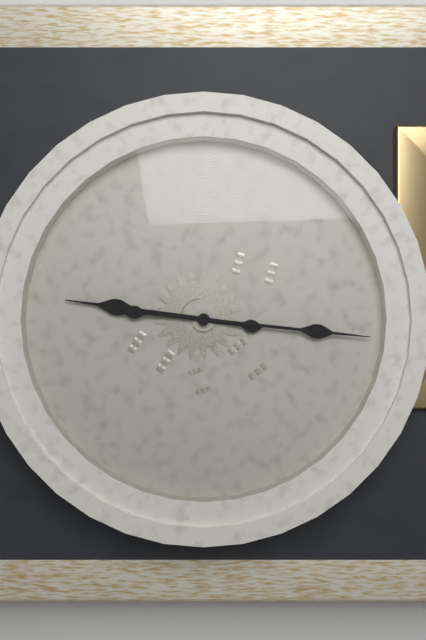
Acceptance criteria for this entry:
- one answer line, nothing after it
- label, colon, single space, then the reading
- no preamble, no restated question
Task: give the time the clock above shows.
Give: 9:16
